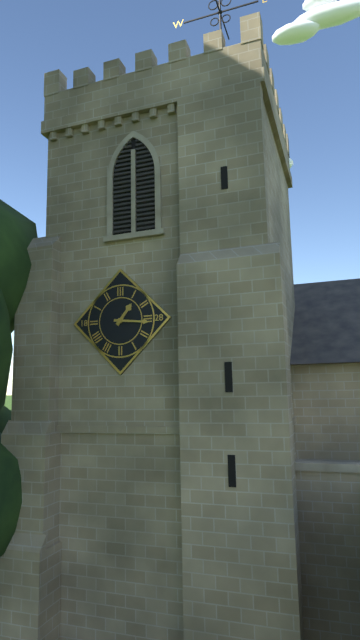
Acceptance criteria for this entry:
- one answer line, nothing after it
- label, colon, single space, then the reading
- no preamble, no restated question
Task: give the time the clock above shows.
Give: 1:16
